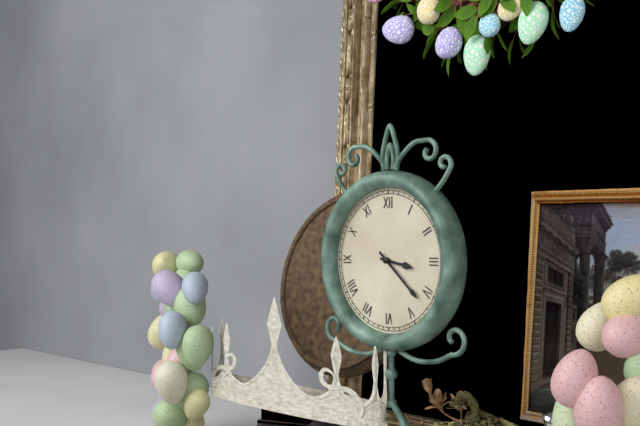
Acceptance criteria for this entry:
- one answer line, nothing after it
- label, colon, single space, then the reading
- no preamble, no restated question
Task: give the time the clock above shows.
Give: 3:22
